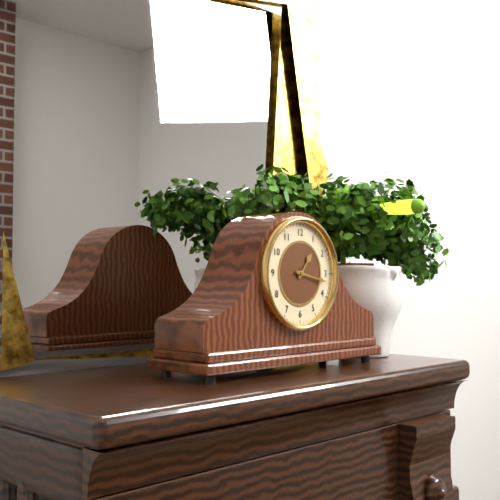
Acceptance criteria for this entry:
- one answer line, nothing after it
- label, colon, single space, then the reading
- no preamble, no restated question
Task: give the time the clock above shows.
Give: 1:17
